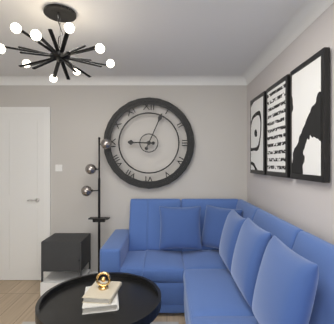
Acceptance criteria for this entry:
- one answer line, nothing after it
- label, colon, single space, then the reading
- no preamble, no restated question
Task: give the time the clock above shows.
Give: 9:04
